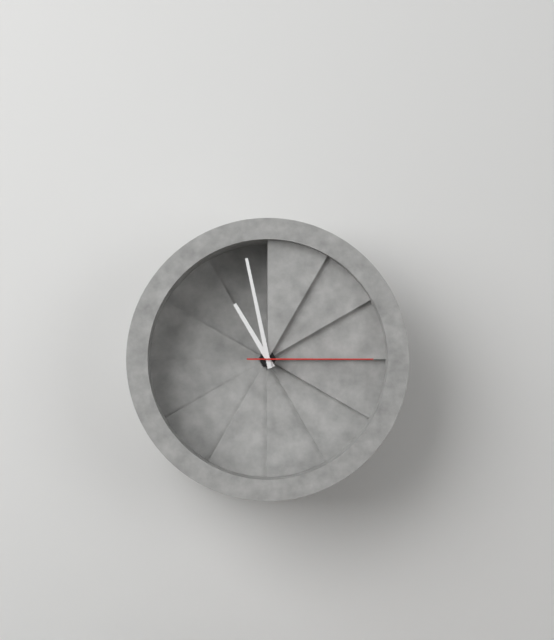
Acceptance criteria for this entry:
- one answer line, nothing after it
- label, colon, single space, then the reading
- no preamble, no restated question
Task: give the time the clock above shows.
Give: 10:58:15
